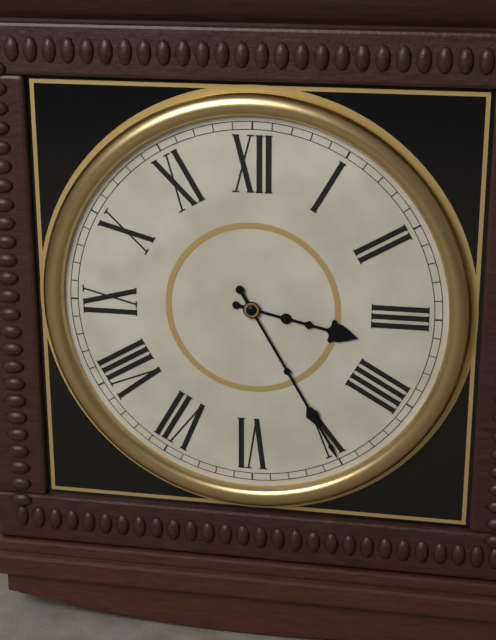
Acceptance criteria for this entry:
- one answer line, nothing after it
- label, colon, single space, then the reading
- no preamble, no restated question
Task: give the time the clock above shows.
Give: 3:25
